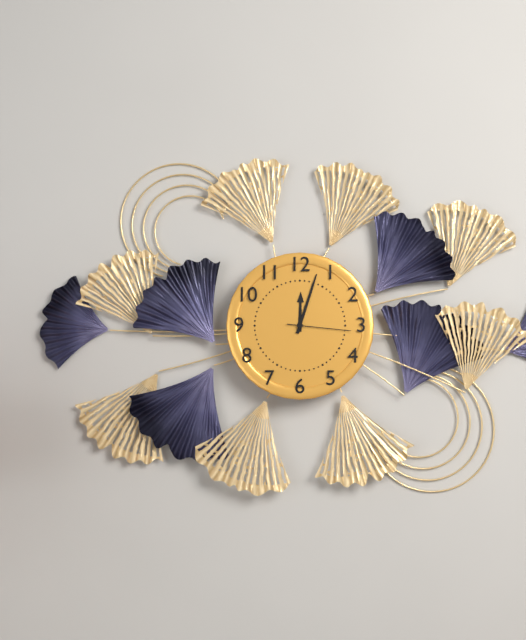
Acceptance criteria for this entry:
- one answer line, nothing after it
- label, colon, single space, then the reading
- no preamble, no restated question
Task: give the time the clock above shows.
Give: 12:03:16
